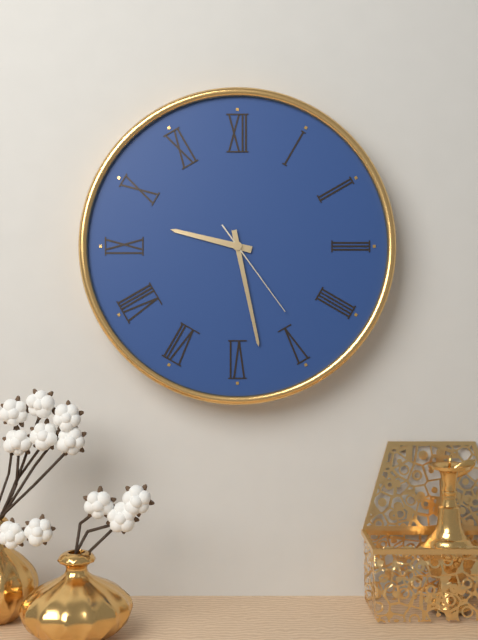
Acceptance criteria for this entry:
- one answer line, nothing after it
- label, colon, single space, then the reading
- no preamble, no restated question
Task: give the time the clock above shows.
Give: 9:28:24
